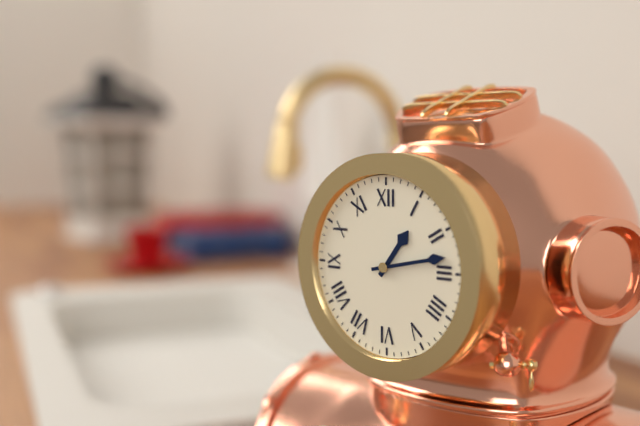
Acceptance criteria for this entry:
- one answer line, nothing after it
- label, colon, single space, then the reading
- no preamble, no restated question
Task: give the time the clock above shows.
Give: 1:13
